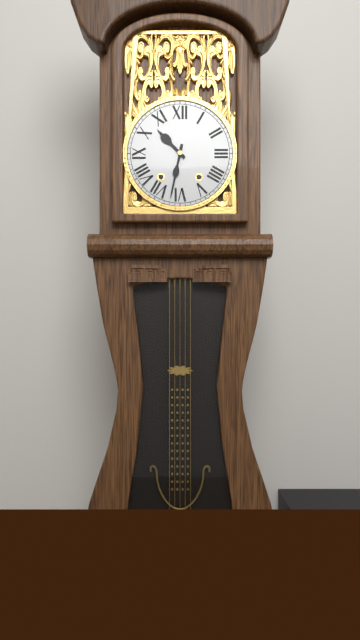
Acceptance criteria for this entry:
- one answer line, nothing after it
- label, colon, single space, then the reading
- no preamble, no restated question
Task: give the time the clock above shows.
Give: 10:32
